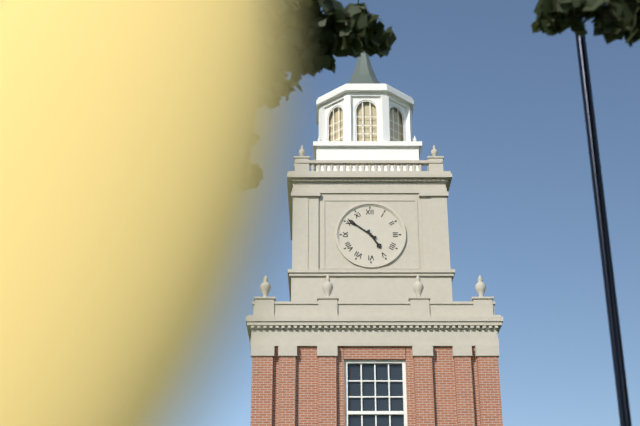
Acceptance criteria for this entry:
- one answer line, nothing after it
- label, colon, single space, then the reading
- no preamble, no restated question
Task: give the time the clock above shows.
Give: 4:51
